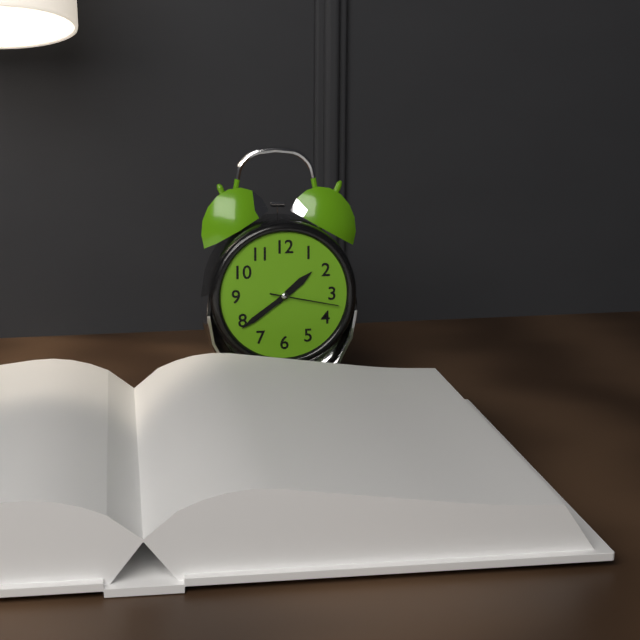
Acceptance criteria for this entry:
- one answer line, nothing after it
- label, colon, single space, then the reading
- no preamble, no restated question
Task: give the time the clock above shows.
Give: 1:39:17
